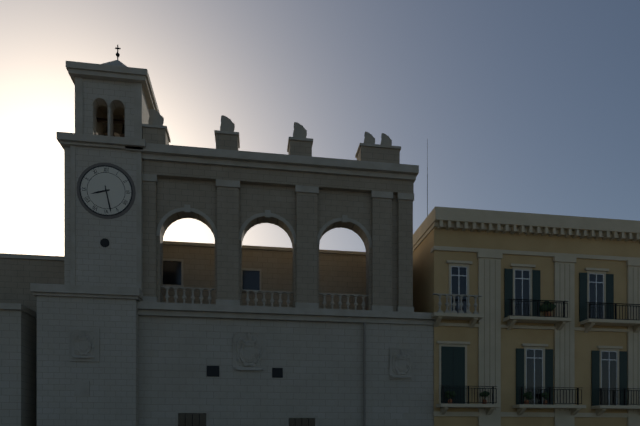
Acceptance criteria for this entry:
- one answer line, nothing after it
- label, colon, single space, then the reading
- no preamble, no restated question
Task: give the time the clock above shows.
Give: 8:28
